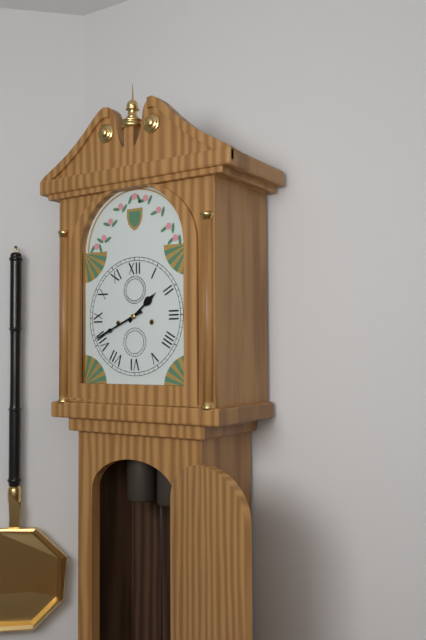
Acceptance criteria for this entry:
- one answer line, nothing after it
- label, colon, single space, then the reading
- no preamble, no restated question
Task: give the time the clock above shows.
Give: 1:41
